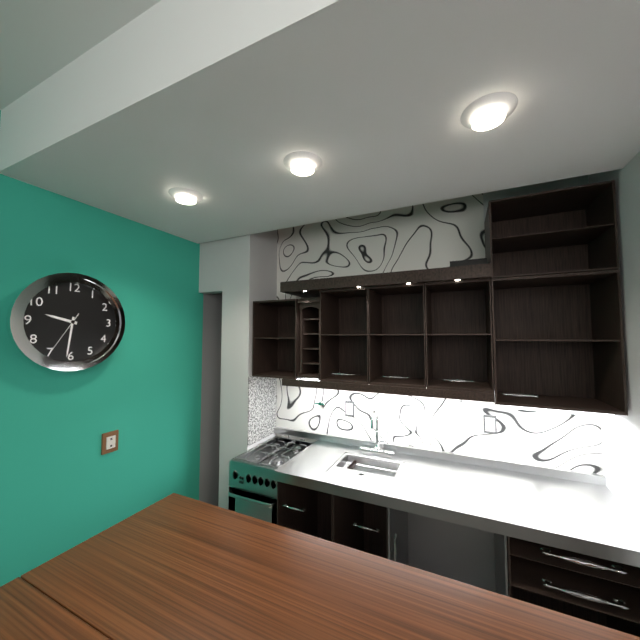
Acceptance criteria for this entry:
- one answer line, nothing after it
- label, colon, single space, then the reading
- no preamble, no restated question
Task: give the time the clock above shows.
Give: 9:31:35
